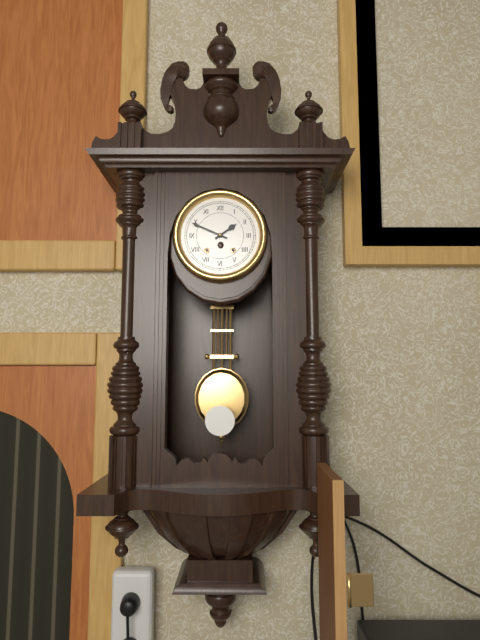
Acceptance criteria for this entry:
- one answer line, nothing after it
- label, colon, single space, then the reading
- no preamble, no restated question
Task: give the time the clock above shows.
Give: 1:49
